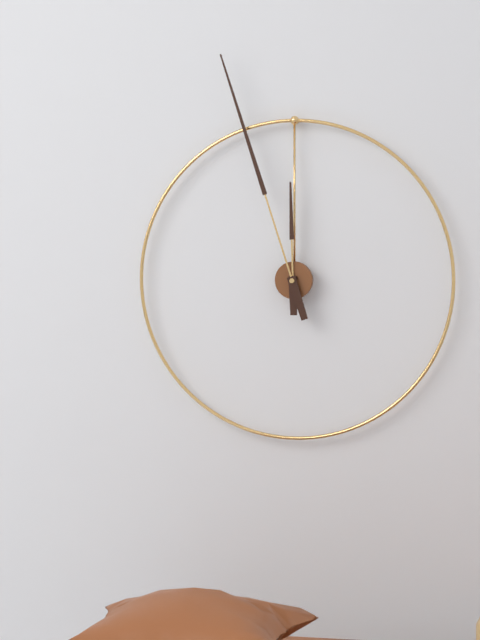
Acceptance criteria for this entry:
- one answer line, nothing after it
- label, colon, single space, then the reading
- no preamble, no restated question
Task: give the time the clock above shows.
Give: 11:57
